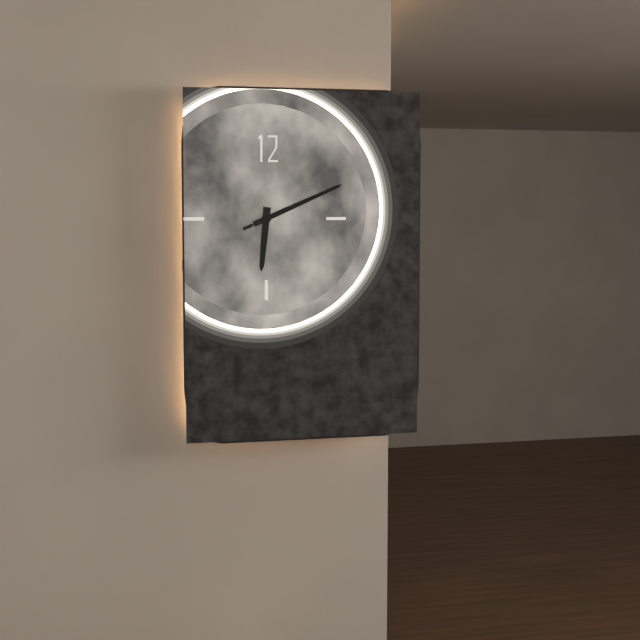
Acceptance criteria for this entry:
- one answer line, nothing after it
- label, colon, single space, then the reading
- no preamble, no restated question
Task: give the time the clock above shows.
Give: 6:11:11
